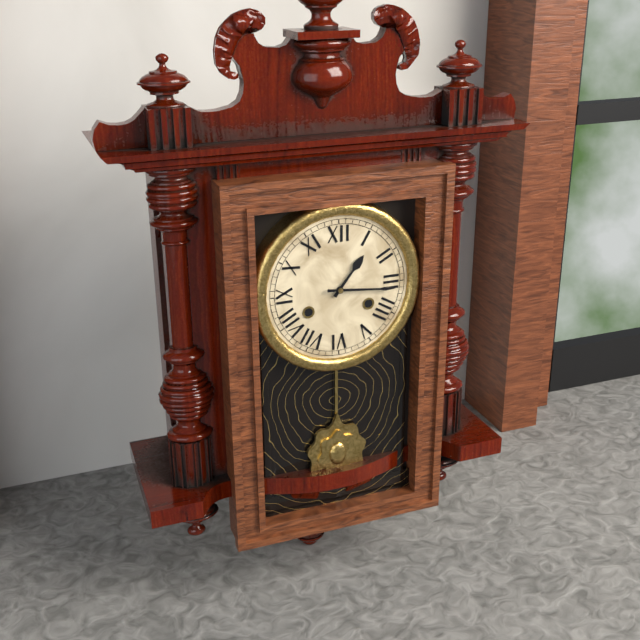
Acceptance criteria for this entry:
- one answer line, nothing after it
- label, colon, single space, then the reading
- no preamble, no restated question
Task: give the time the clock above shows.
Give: 1:16
